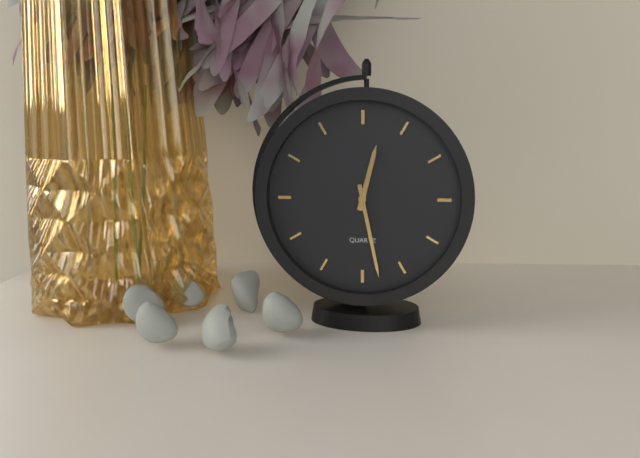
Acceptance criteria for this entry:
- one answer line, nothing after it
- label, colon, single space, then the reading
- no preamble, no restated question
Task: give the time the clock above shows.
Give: 12:28
